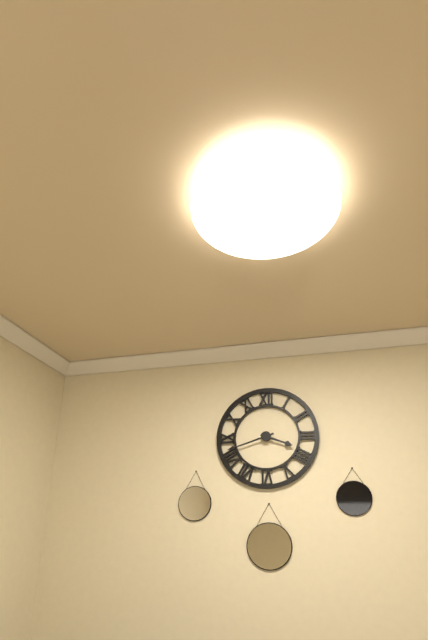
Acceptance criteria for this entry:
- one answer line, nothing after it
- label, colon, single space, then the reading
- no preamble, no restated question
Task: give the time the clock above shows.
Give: 3:42
